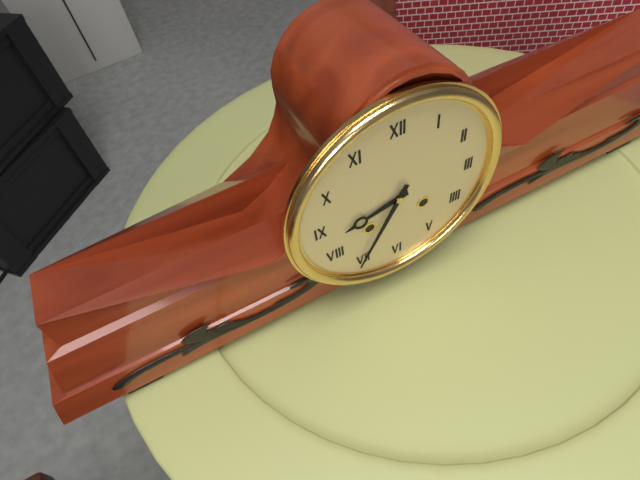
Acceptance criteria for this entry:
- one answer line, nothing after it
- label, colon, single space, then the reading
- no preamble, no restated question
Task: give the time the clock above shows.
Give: 8:35
